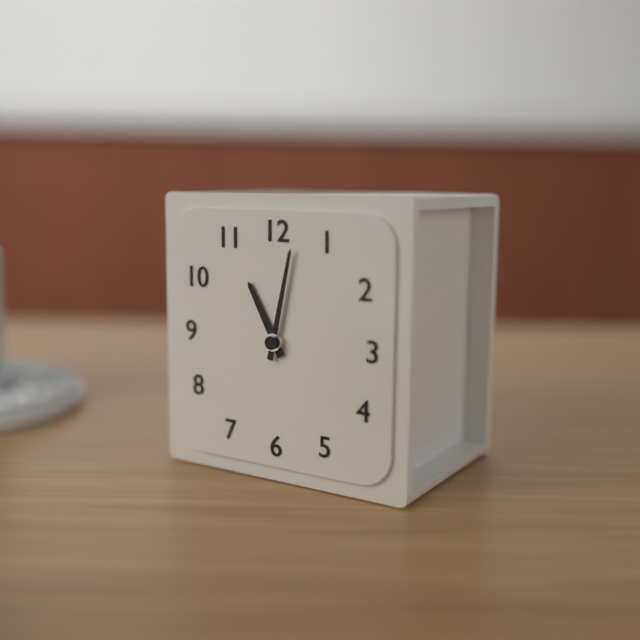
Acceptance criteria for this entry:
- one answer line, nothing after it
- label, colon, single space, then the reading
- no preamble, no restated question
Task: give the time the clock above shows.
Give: 11:02
